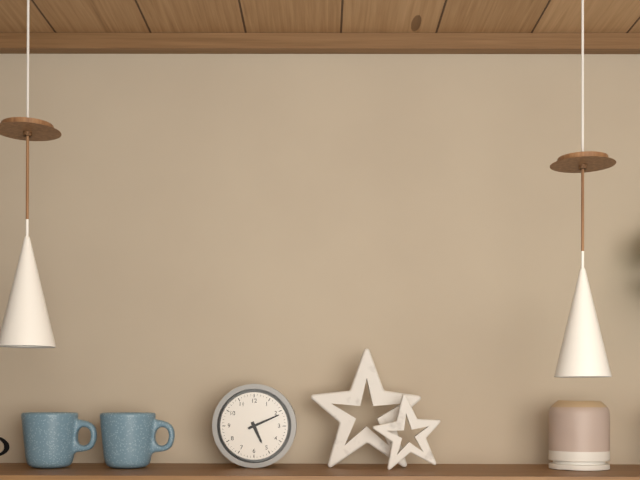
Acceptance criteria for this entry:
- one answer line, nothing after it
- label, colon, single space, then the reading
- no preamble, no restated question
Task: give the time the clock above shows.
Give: 5:11
